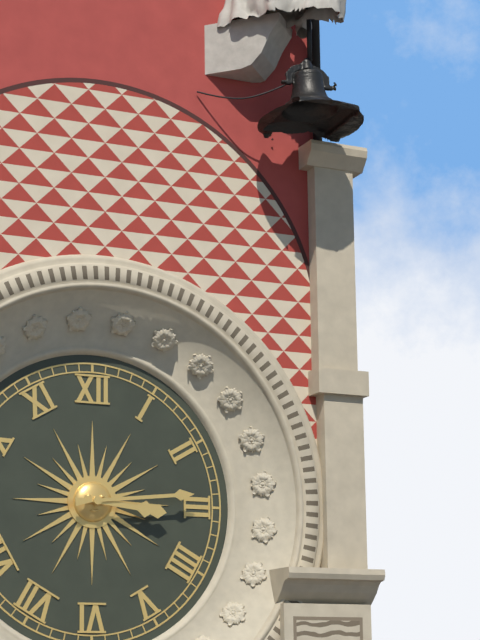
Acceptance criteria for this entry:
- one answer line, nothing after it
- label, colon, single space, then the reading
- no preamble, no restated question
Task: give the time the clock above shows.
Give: 3:14
